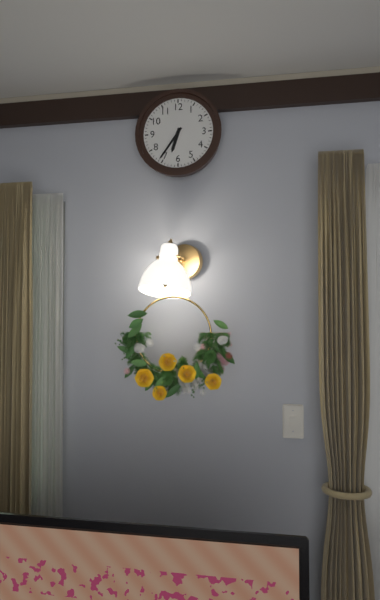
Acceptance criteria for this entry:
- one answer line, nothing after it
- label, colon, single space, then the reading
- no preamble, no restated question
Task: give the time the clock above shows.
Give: 6:36
